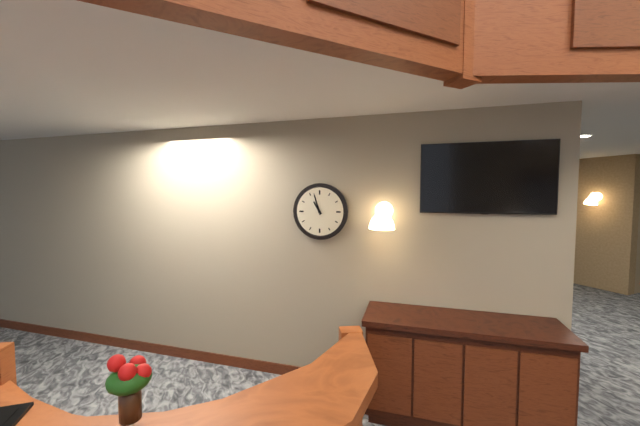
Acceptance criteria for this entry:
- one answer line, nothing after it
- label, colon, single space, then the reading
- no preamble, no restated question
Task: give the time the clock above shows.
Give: 10:57
